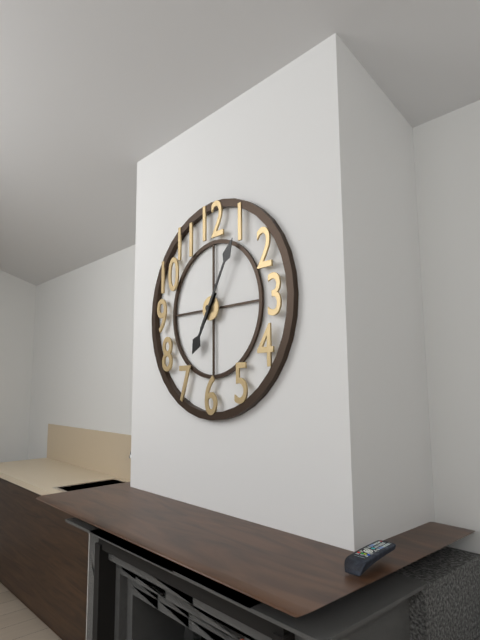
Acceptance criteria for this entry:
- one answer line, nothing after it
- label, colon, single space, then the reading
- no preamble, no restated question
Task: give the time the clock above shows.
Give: 7:05
